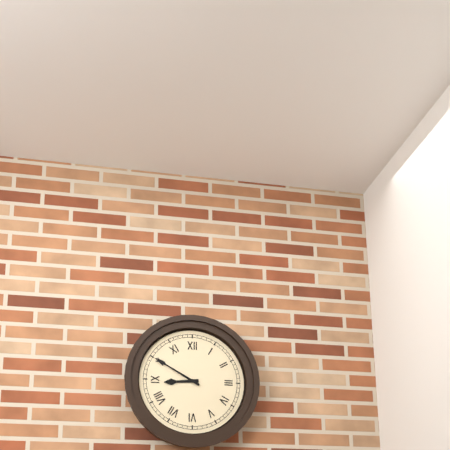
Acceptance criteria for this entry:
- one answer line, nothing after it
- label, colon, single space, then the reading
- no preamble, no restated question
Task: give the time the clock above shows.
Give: 8:50
